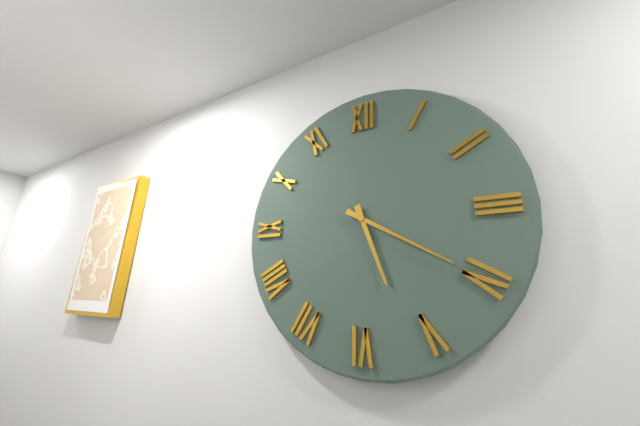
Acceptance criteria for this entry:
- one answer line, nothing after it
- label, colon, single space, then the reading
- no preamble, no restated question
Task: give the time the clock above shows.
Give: 5:20
